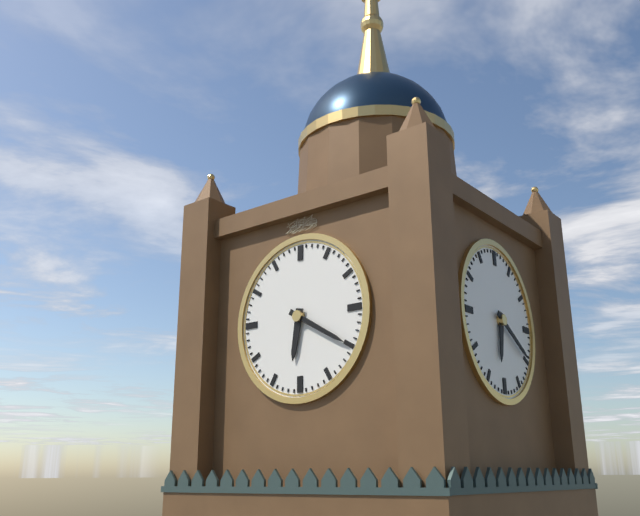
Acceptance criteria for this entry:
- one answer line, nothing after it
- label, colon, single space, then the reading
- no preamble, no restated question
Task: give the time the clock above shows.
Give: 6:20
